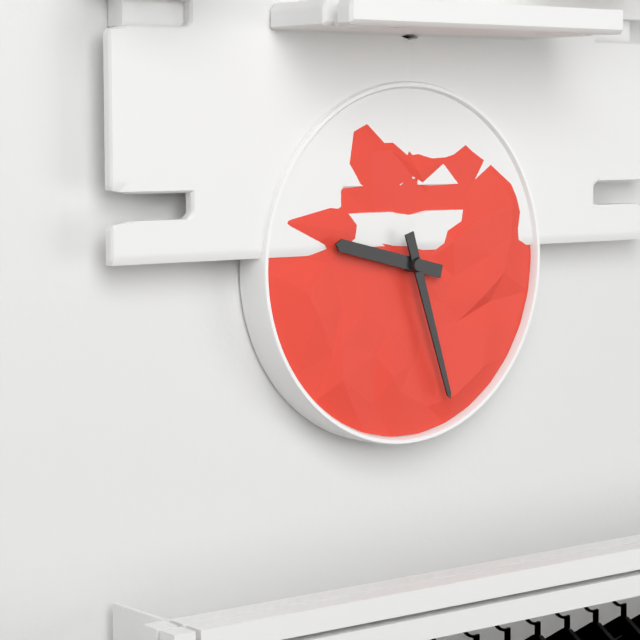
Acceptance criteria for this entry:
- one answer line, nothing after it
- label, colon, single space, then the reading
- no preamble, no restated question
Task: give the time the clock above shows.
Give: 9:27
